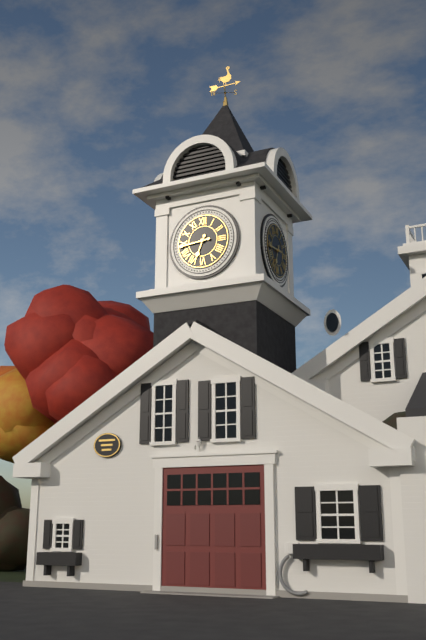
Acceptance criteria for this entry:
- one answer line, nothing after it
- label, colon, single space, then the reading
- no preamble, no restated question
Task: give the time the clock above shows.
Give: 6:44
